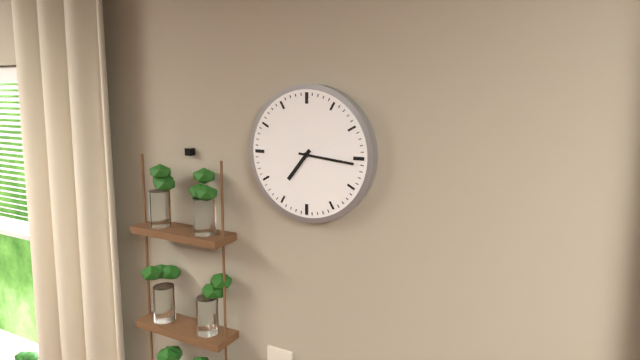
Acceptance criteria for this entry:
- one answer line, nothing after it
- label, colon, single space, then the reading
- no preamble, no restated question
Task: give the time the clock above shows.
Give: 7:16
